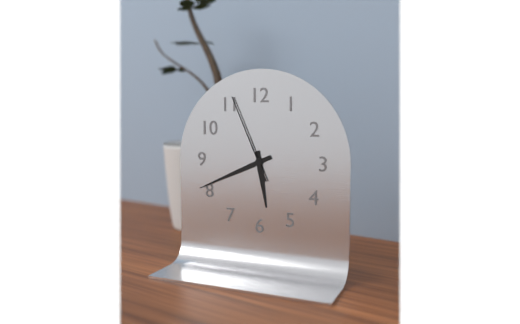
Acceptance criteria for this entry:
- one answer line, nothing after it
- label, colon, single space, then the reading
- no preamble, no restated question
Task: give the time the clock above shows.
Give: 5:41:56
